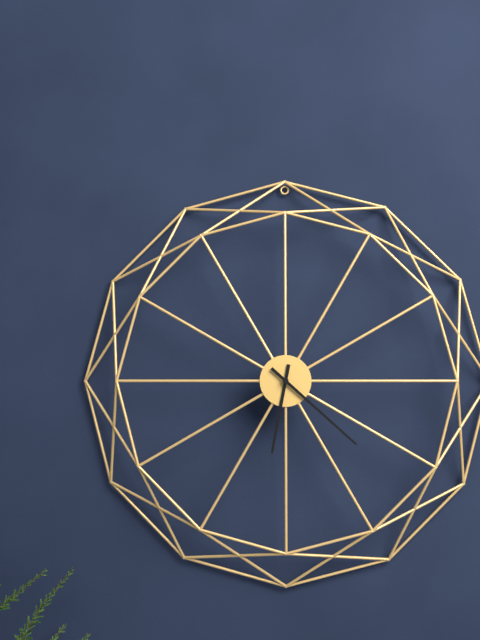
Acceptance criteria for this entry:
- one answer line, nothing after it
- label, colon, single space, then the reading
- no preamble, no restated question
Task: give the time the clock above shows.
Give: 6:22
